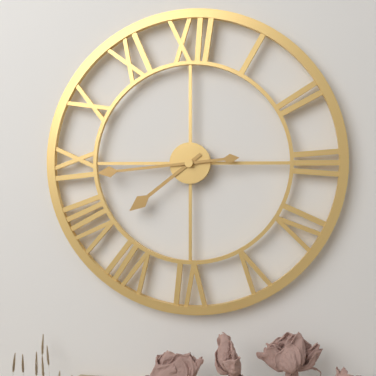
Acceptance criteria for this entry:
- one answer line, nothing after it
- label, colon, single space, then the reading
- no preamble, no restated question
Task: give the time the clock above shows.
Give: 7:44
